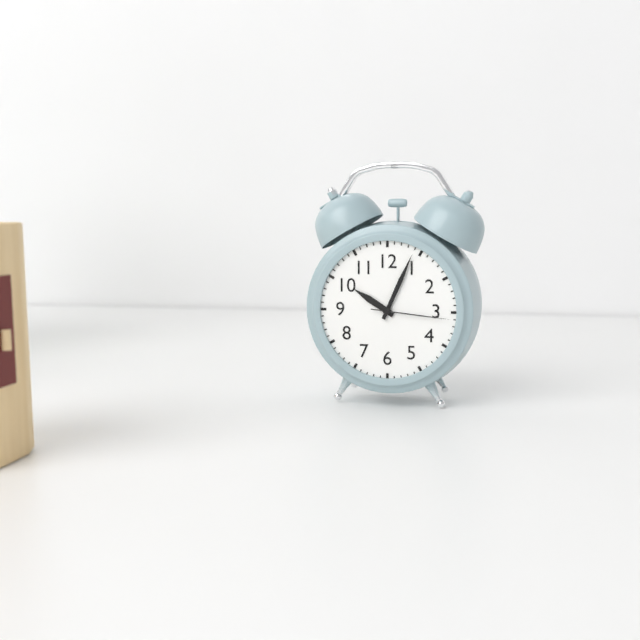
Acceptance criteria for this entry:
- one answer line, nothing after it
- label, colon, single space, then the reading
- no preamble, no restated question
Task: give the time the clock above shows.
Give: 10:04:16
